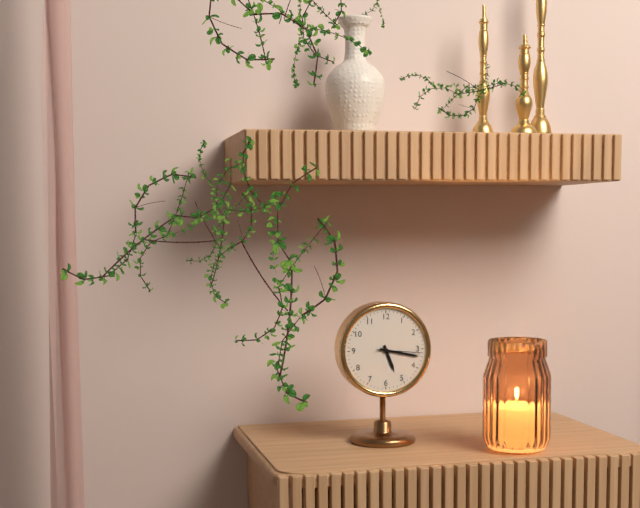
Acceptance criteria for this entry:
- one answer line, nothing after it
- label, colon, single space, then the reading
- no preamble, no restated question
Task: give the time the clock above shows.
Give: 5:17
